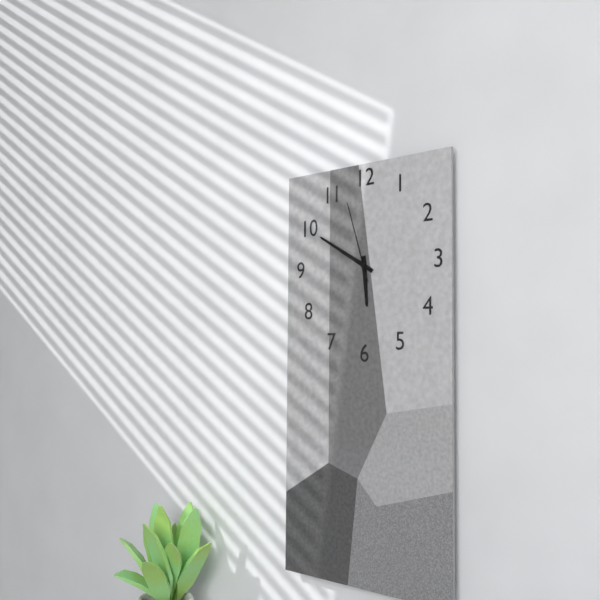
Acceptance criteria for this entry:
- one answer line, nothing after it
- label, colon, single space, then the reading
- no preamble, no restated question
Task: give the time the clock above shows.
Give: 5:50:57
